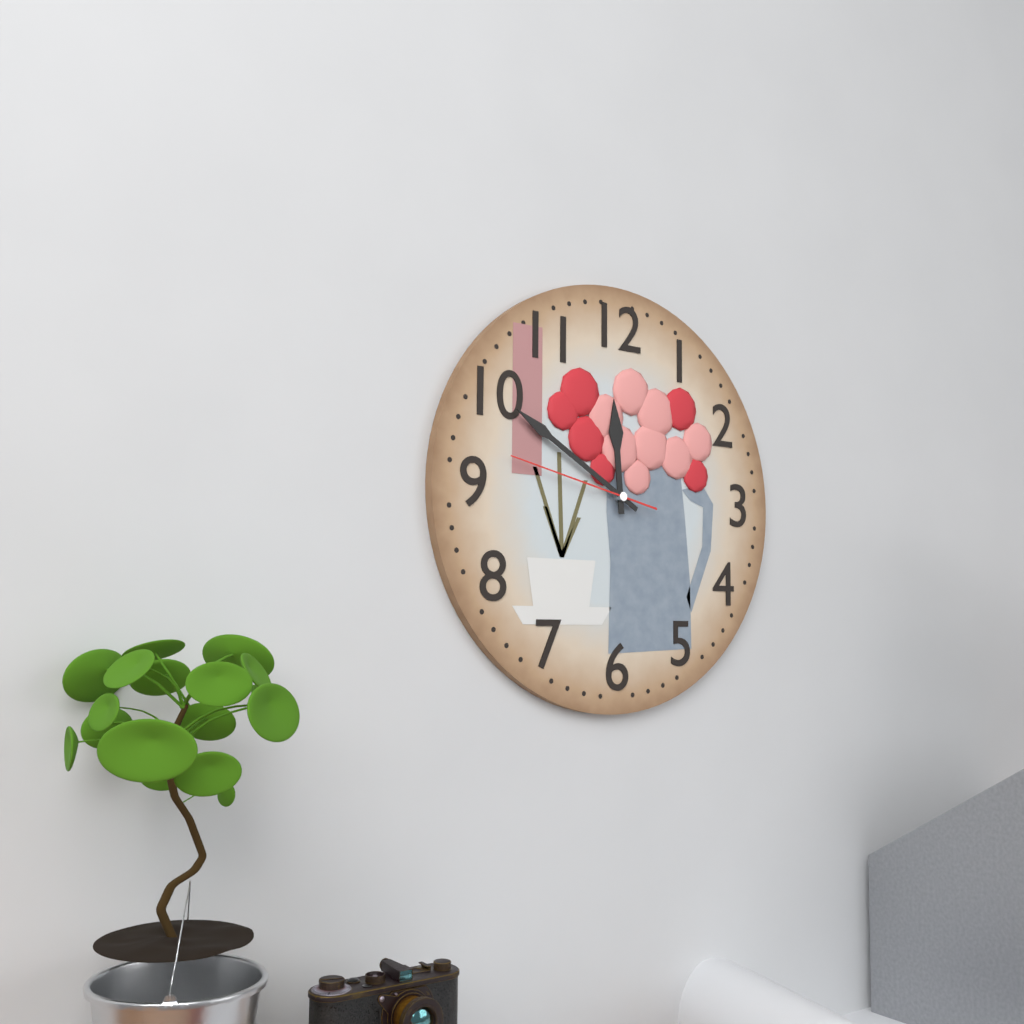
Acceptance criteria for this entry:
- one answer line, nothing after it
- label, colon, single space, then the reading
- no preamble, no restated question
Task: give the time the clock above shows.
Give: 11:50:47
